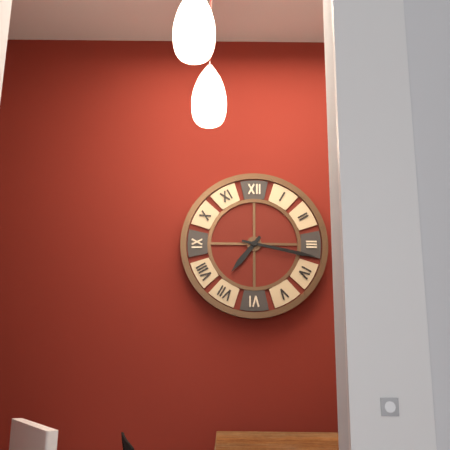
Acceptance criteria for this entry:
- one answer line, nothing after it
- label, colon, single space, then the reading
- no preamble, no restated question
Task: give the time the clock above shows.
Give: 7:17
